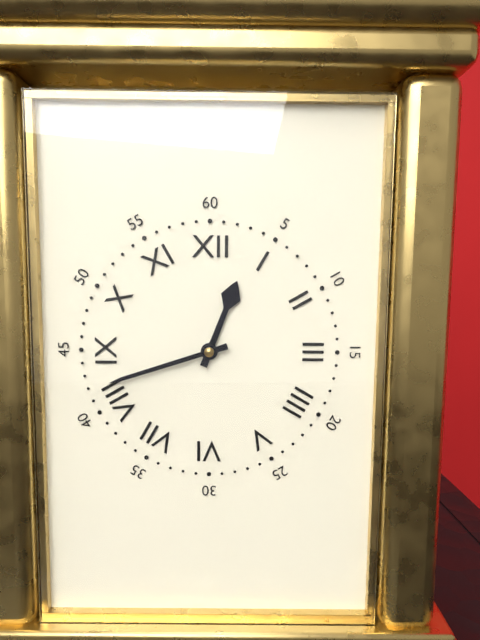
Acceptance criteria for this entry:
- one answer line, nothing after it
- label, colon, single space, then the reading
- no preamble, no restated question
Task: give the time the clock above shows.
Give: 12:42
